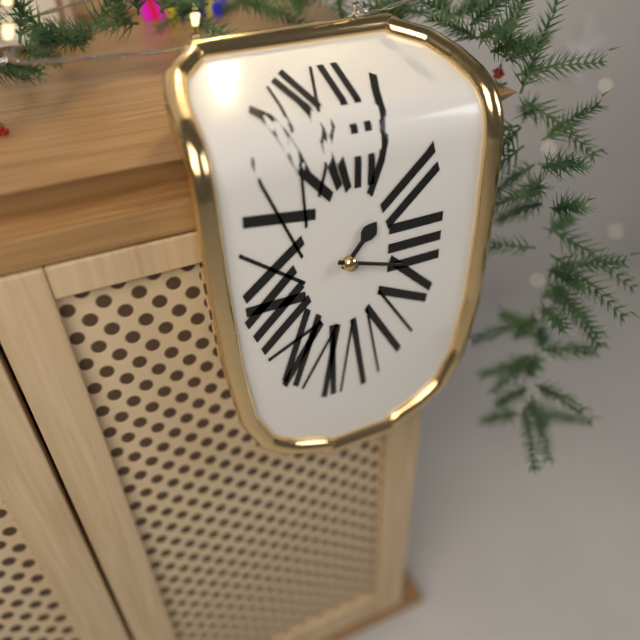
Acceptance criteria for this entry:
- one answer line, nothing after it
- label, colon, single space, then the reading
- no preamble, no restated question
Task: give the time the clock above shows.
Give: 1:18
